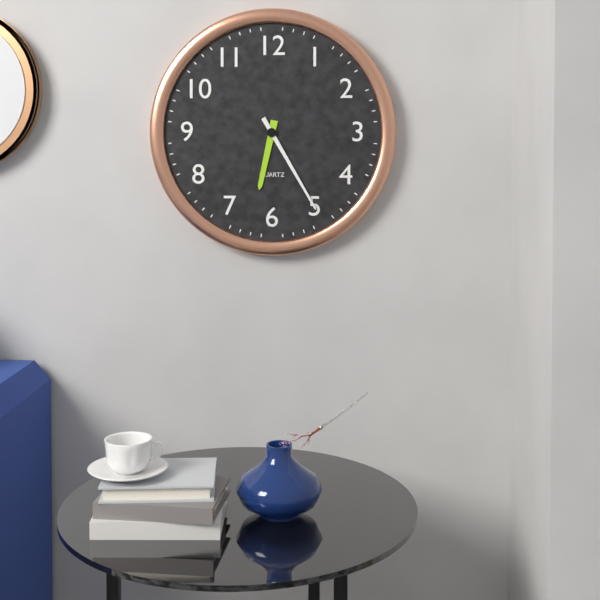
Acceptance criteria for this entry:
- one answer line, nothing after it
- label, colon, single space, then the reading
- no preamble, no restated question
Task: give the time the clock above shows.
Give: 6:25
